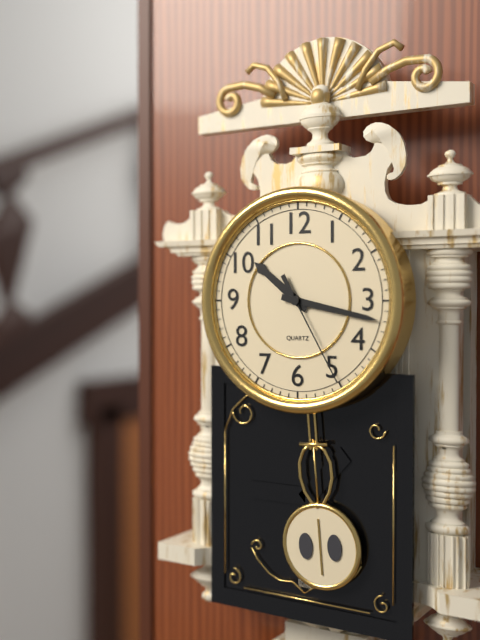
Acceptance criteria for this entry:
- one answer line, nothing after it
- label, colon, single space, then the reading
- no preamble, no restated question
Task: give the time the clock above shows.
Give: 10:17:25
